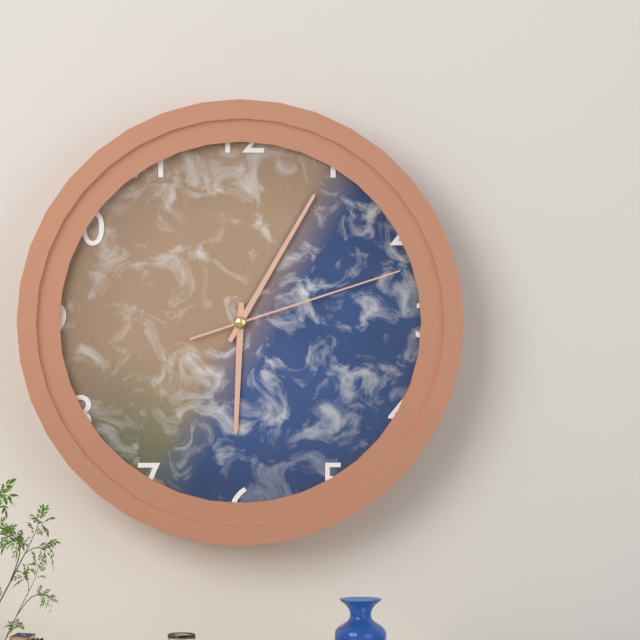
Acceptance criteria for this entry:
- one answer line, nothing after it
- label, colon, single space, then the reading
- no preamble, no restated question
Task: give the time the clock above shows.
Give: 6:05:12
